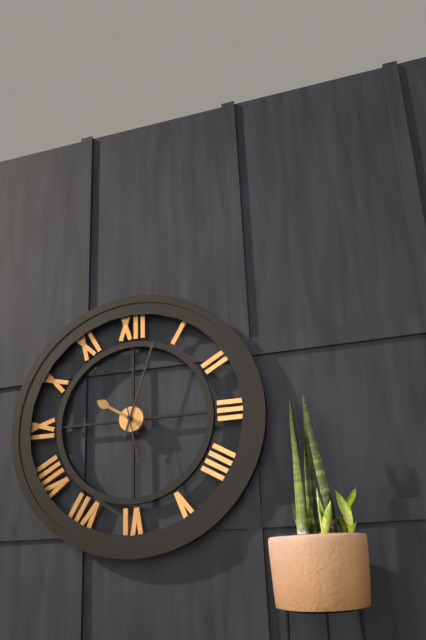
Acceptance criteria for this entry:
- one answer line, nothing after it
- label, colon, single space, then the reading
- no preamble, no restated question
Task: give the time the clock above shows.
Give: 10:03:28
